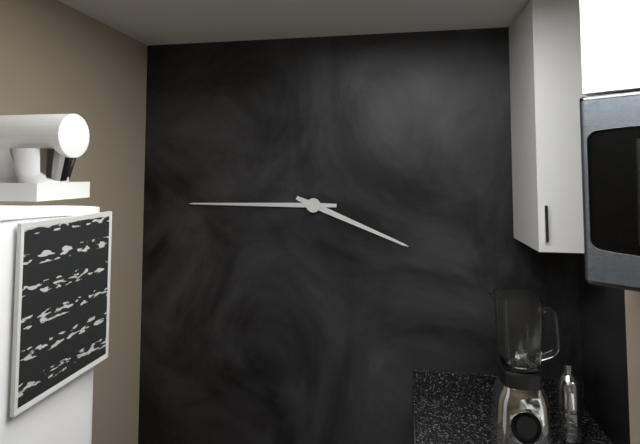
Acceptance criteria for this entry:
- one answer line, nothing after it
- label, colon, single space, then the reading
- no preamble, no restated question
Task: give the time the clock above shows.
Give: 3:45
